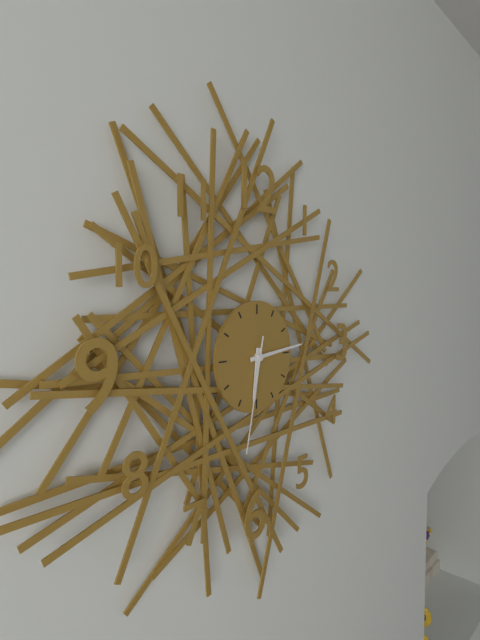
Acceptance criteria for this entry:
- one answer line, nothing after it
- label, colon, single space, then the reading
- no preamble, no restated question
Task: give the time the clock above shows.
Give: 6:14:32
